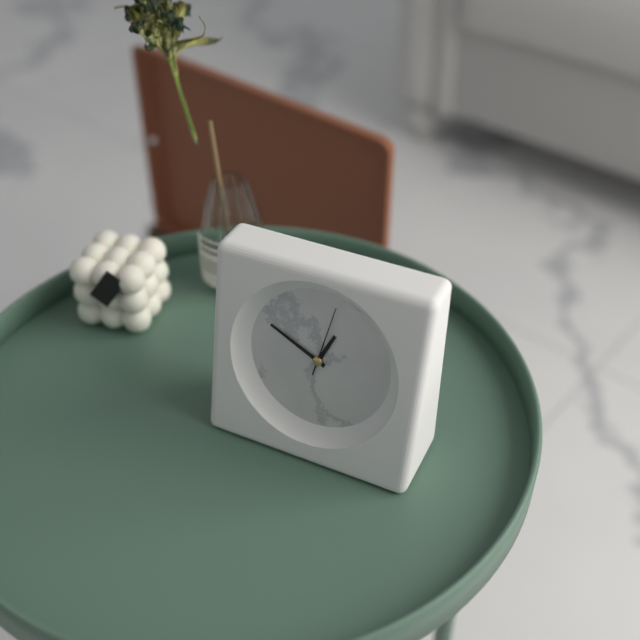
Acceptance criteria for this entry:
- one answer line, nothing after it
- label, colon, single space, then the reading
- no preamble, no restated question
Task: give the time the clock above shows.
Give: 12:49:02
